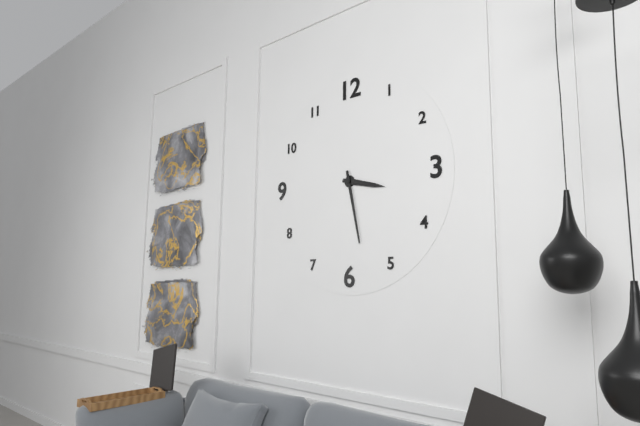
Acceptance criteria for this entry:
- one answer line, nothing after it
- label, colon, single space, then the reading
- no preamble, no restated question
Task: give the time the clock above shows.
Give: 3:28
